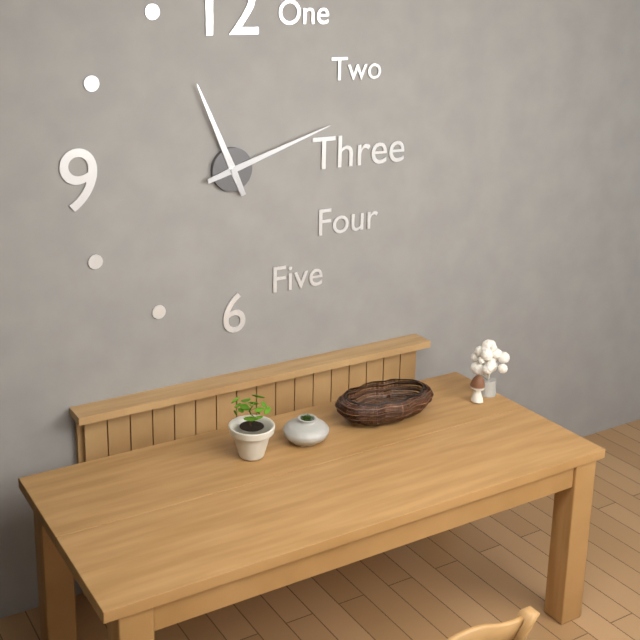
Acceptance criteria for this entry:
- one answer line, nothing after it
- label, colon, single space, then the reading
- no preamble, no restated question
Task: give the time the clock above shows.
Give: 11:12
